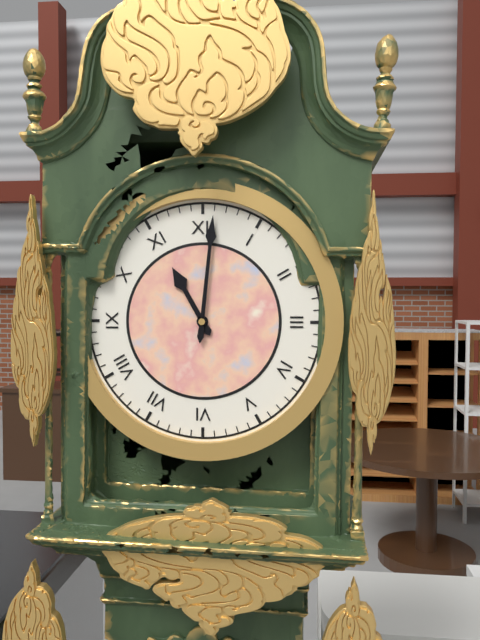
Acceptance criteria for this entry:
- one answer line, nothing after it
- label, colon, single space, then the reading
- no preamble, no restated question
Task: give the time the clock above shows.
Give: 11:01
